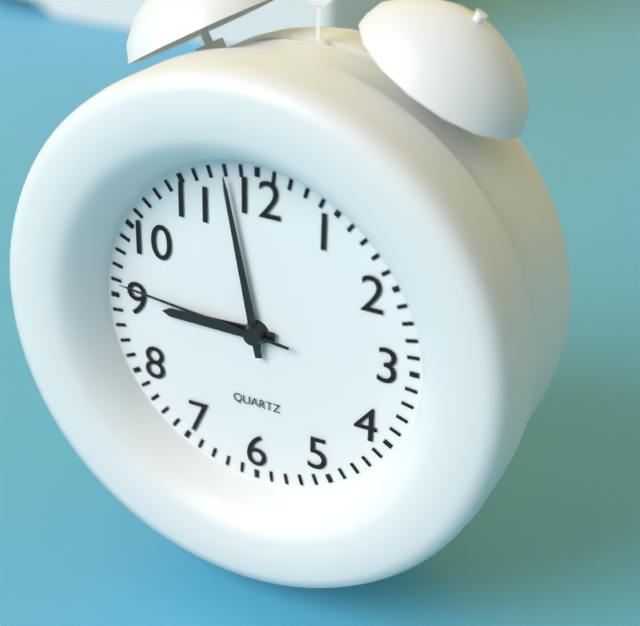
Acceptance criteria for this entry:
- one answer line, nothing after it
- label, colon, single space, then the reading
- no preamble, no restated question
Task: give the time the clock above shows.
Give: 8:58:46
